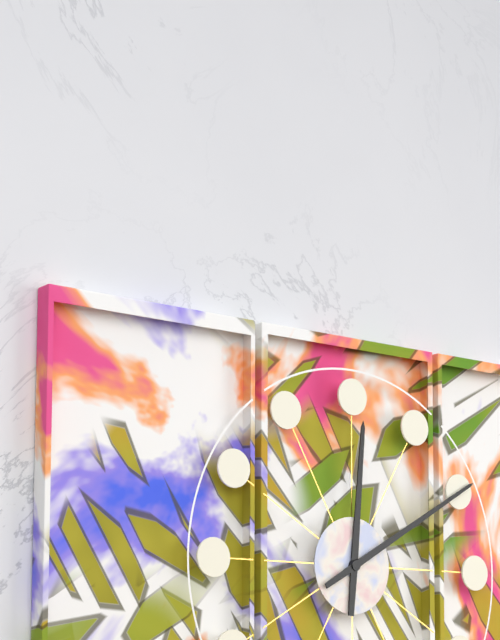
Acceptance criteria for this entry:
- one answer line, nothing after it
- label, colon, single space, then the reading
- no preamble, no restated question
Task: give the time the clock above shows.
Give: 12:10
